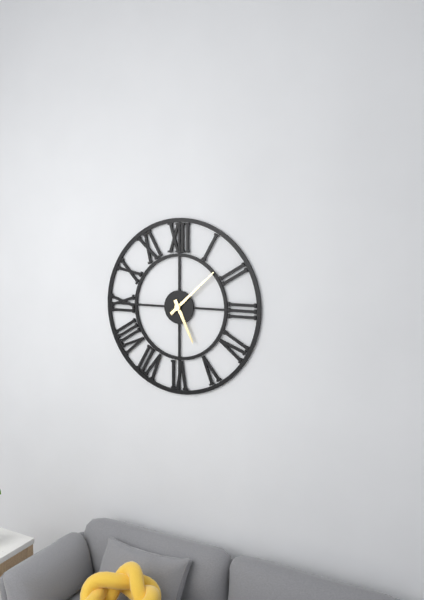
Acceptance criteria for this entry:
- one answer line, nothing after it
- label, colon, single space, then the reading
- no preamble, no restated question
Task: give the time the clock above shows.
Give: 5:08
